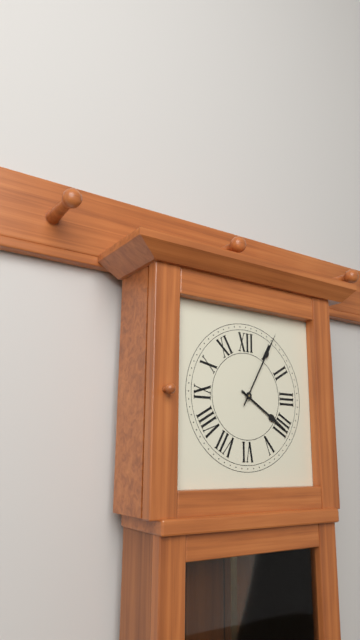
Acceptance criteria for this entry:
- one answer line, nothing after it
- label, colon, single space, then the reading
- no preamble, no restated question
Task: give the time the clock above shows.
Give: 4:05
